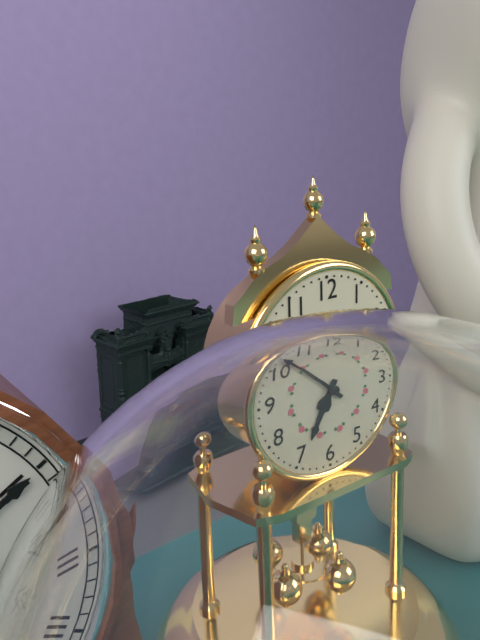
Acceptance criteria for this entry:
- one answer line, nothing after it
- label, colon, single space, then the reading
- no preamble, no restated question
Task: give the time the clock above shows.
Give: 6:52
